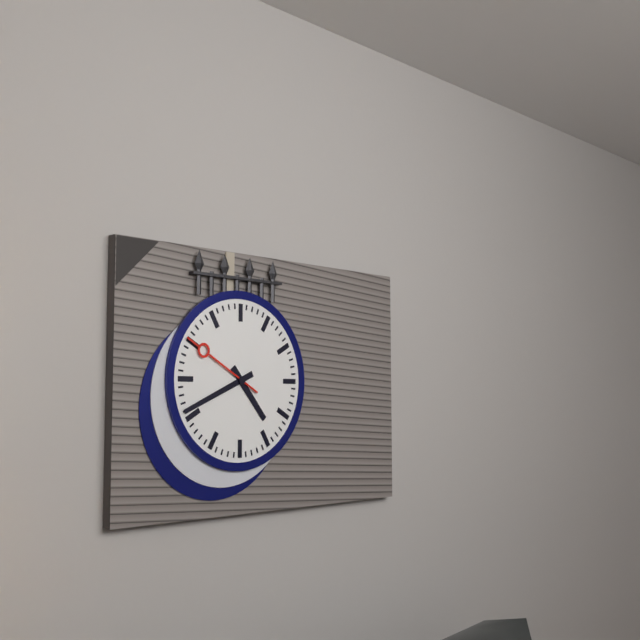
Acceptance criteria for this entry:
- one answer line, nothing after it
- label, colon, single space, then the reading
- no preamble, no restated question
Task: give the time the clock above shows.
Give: 4:41:50
